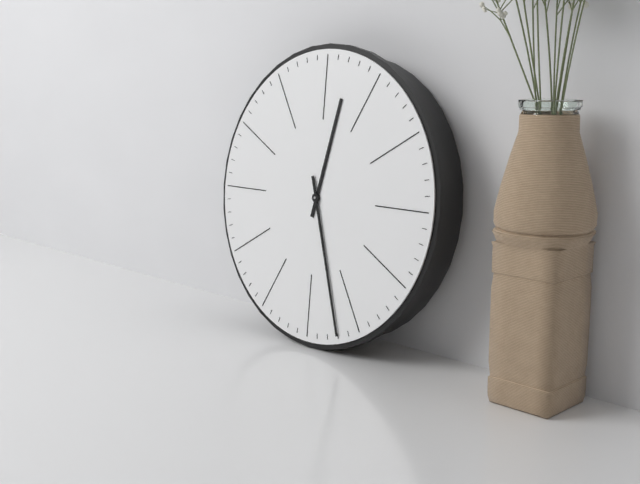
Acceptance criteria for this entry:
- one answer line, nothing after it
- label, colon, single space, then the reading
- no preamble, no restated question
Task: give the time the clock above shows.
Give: 12:27
